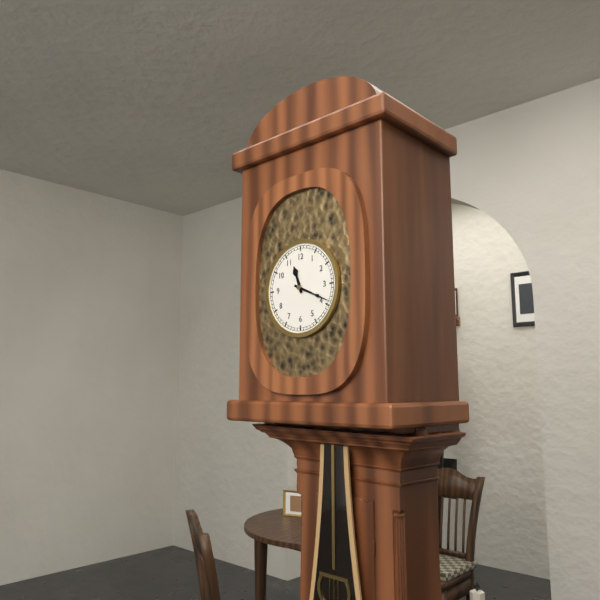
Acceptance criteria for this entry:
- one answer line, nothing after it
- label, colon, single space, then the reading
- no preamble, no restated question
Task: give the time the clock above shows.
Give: 11:19
